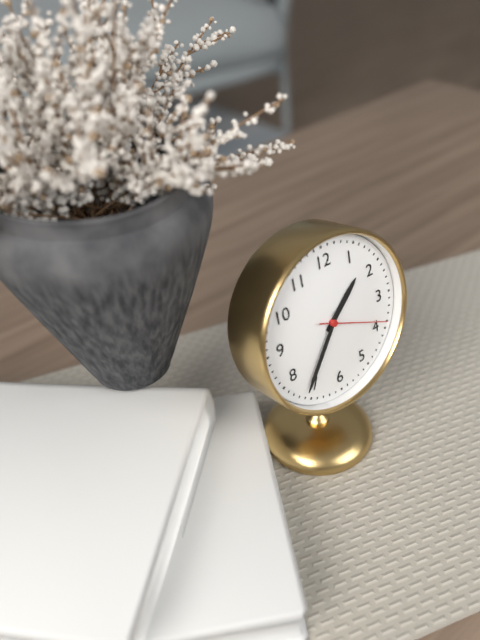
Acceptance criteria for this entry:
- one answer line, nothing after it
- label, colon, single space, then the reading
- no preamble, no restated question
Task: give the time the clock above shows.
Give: 1:36:19
